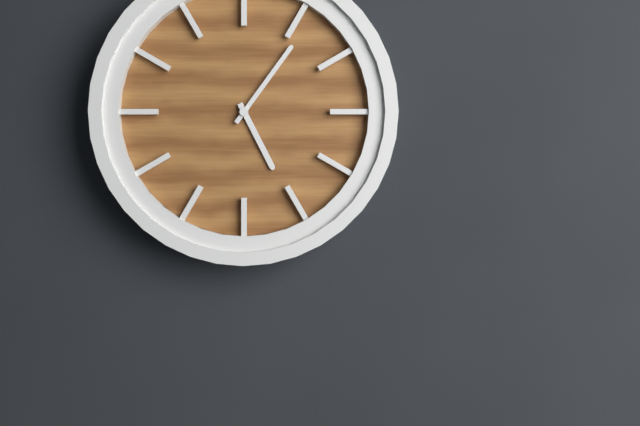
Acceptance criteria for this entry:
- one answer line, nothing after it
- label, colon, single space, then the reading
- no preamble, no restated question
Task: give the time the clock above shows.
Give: 5:06
